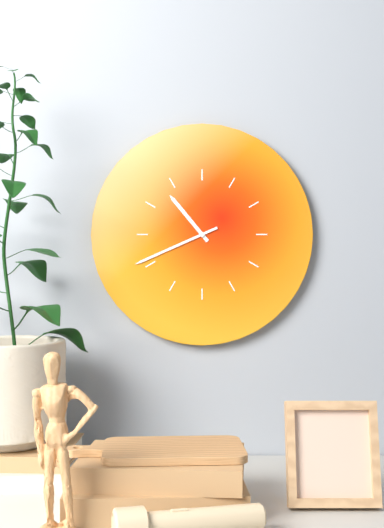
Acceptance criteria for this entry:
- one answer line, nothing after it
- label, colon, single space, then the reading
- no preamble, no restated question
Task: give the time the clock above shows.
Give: 10:41
